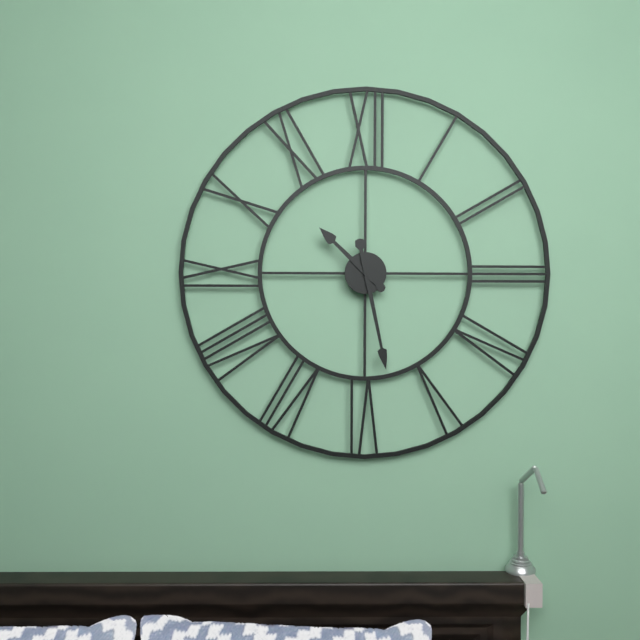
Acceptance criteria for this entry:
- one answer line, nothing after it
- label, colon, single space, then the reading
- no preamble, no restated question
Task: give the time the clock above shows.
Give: 10:28
